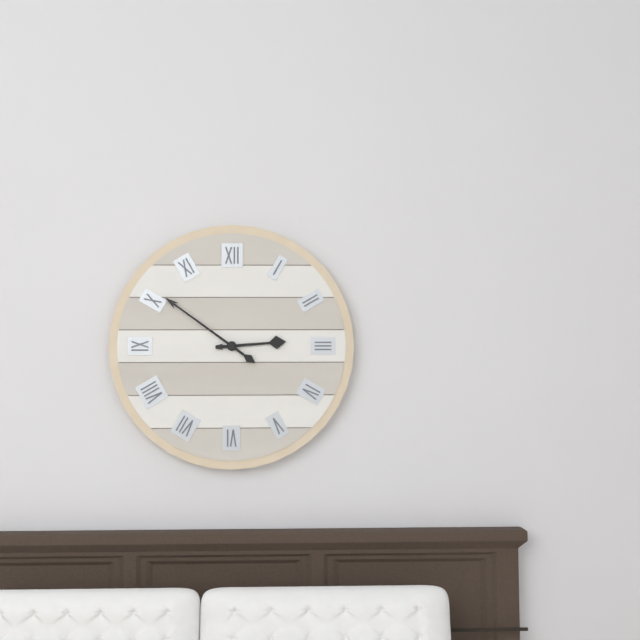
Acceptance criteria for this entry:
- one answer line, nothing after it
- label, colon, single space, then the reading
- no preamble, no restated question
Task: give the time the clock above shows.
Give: 2:51
